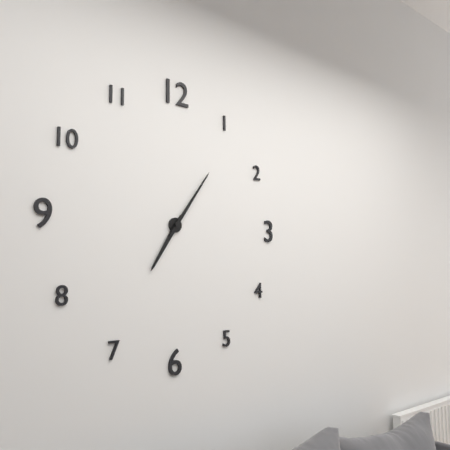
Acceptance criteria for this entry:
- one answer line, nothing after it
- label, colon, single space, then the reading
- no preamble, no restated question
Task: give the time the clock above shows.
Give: 7:06
